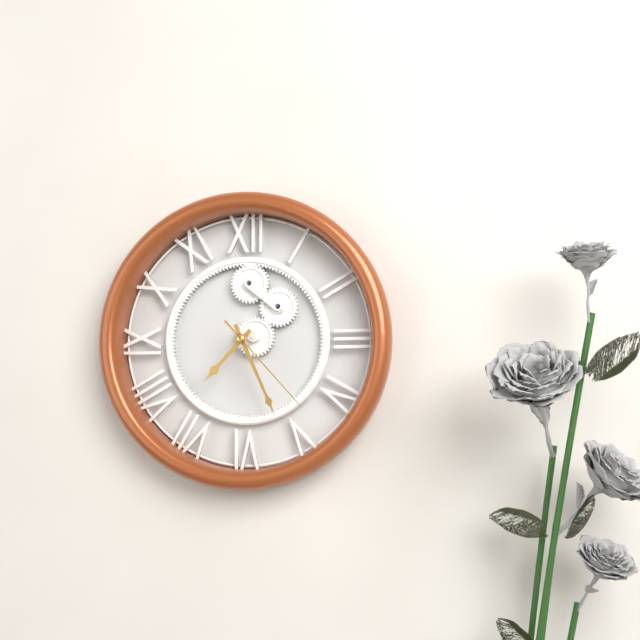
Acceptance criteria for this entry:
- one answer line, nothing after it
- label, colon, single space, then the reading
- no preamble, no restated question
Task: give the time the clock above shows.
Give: 7:26:23
